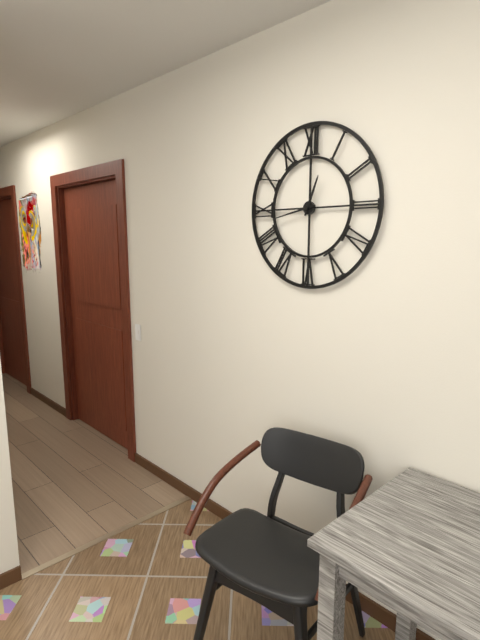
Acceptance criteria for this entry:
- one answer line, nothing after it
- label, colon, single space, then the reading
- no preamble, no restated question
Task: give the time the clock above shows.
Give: 12:43
